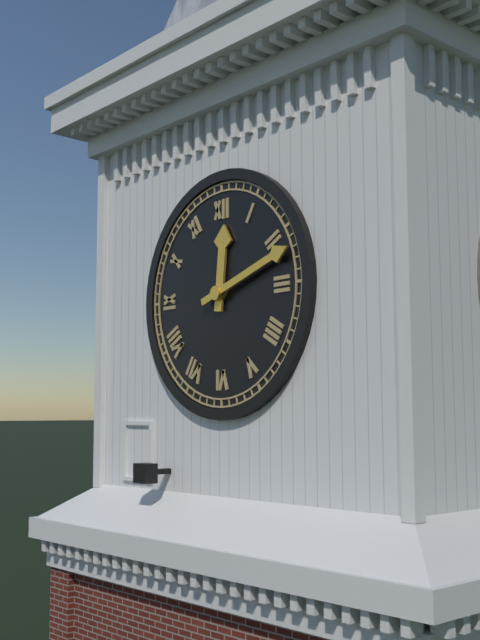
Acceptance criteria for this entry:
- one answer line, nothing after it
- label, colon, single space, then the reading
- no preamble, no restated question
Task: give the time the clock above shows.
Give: 12:12
